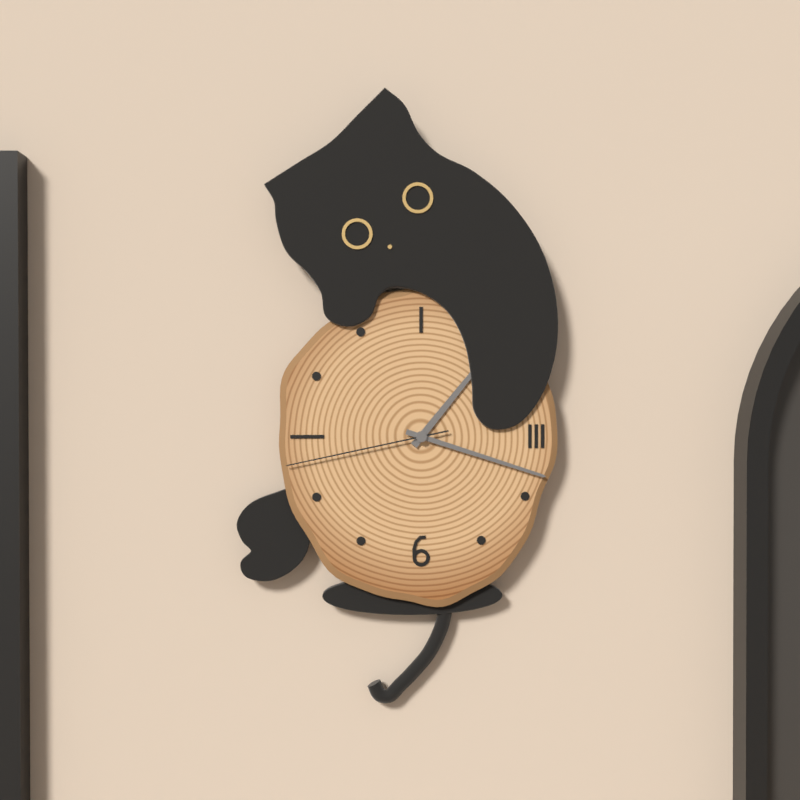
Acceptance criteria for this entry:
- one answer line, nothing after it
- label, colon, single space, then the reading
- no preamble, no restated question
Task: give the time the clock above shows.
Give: 1:18:43
